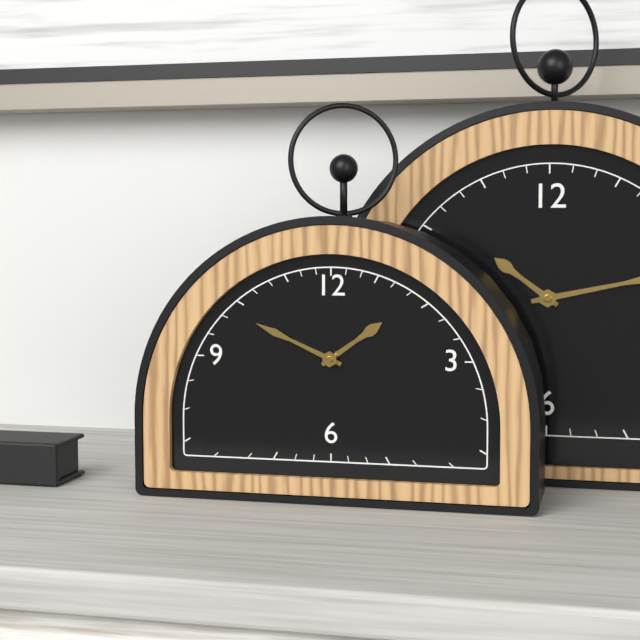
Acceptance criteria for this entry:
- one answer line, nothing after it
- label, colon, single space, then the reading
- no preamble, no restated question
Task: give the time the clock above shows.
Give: 1:49
